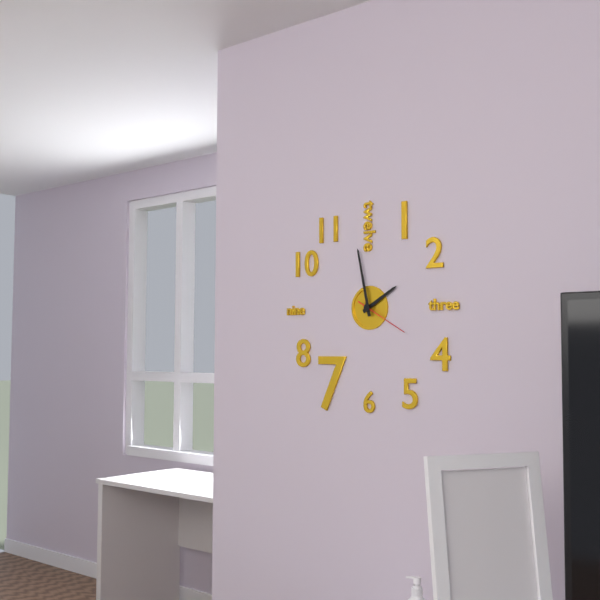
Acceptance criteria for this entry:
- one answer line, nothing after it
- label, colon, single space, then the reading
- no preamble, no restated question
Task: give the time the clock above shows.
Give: 1:58:20
